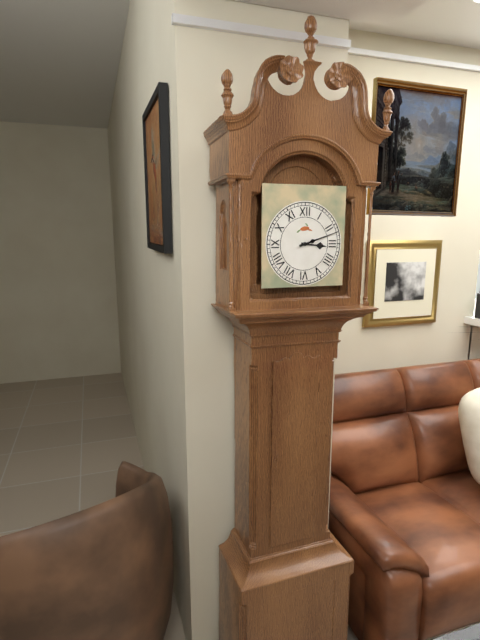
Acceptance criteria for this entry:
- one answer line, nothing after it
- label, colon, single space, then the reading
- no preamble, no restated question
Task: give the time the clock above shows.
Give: 3:12
